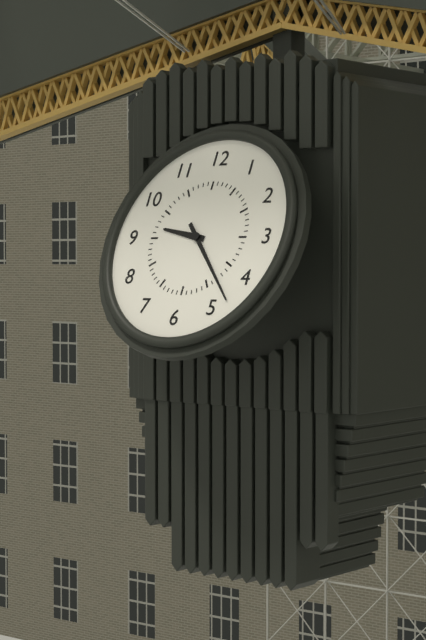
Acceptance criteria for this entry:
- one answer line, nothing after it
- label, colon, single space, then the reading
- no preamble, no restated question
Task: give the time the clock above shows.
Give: 9:23
